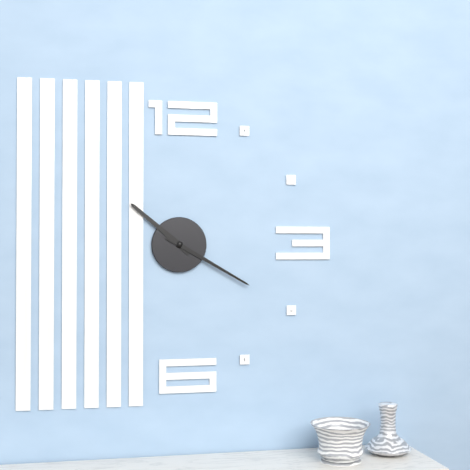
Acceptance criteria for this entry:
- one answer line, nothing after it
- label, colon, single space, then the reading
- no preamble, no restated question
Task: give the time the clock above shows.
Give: 10:20
